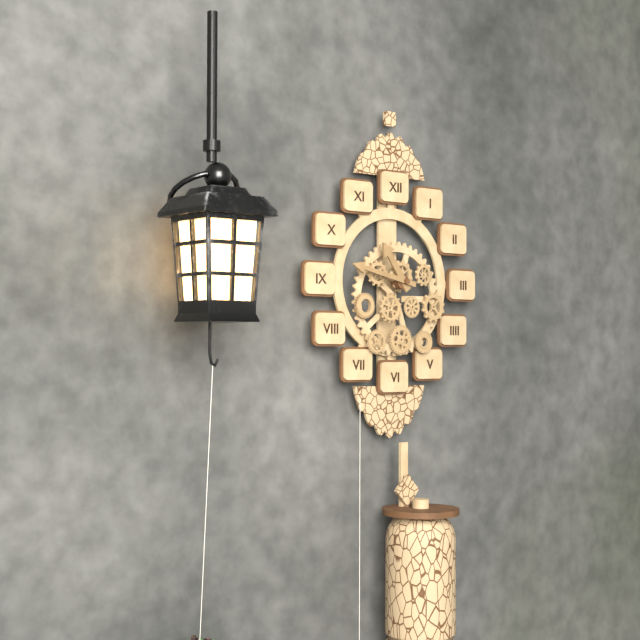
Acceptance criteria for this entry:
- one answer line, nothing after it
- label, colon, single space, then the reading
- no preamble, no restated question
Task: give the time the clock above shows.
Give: 10:47
